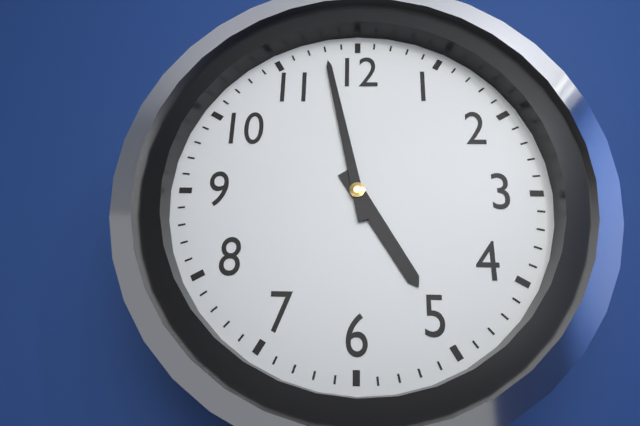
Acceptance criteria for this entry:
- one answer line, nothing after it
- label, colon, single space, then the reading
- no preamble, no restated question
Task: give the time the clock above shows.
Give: 4:58
